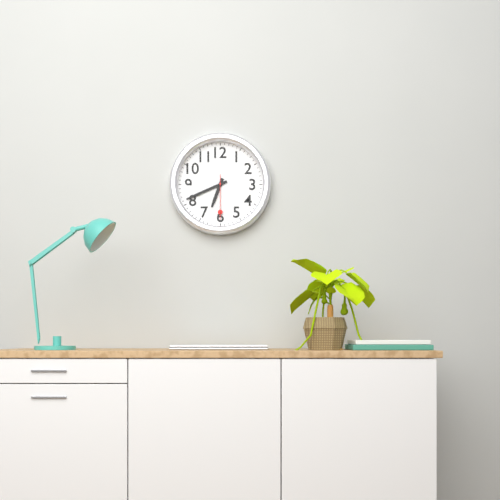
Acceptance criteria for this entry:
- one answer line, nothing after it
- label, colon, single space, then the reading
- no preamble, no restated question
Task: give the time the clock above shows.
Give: 6:41
